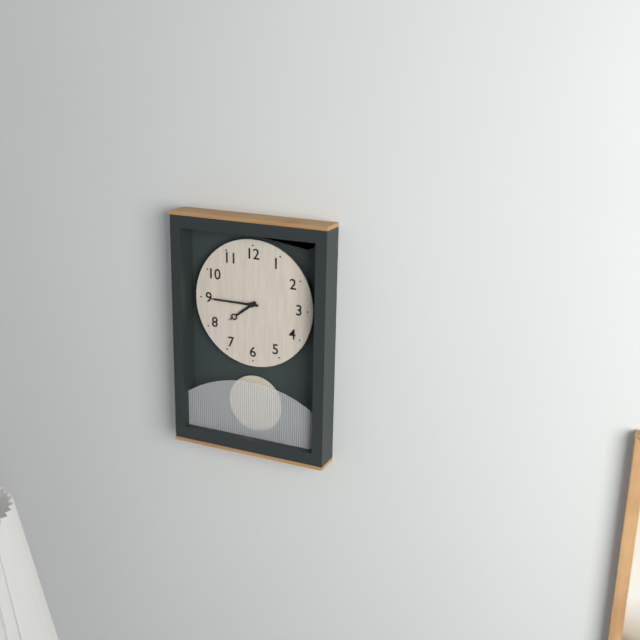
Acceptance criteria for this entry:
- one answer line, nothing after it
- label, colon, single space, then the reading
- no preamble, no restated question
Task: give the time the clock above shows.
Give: 7:45
